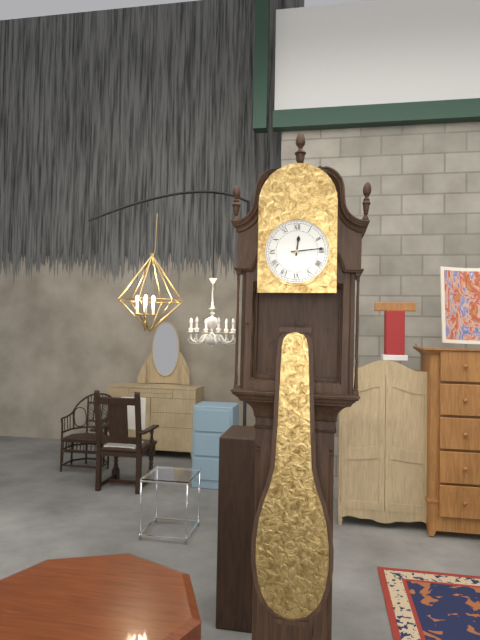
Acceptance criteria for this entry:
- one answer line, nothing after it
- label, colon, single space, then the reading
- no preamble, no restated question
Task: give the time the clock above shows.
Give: 12:14
